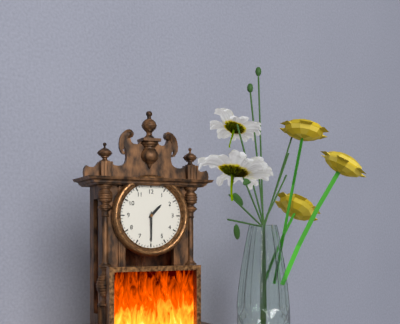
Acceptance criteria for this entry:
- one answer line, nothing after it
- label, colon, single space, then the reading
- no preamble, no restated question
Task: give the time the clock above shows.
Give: 1:30
